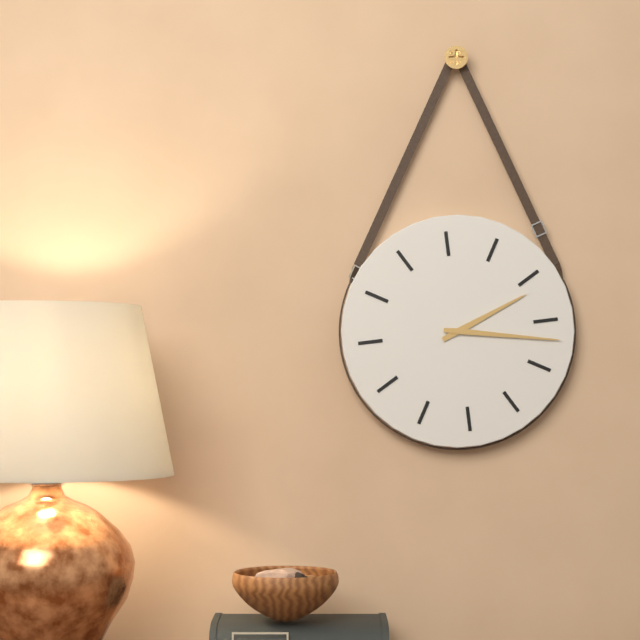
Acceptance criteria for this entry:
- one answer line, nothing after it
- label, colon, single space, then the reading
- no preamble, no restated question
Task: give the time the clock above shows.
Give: 2:17
